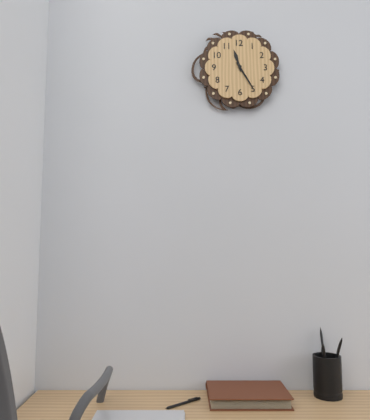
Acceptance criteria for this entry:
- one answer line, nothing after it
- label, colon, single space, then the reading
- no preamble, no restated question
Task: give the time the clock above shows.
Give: 11:25
